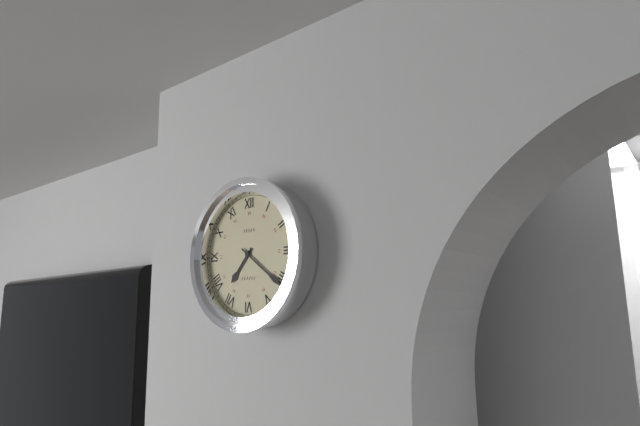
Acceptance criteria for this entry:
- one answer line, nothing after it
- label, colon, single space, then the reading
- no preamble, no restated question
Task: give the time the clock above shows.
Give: 7:21
